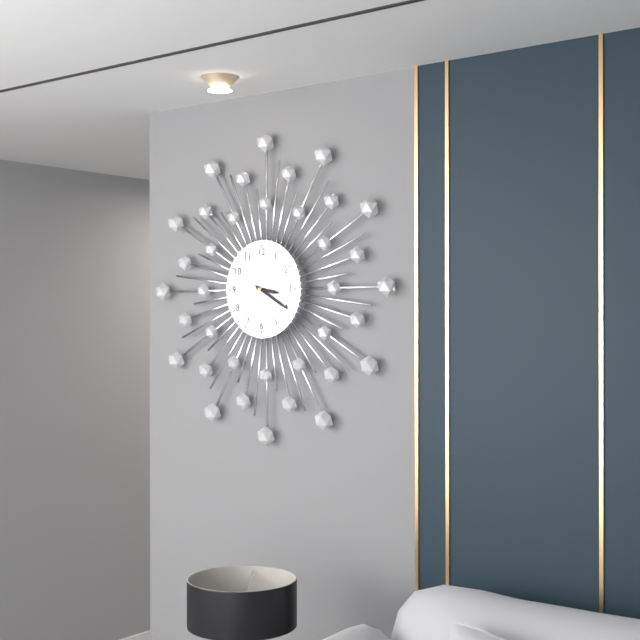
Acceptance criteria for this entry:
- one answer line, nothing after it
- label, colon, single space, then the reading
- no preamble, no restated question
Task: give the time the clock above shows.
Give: 3:20
